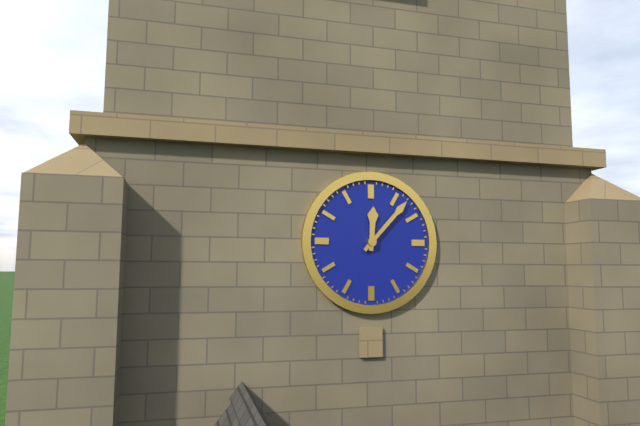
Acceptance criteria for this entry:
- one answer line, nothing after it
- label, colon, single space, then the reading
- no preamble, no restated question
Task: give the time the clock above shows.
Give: 12:07
